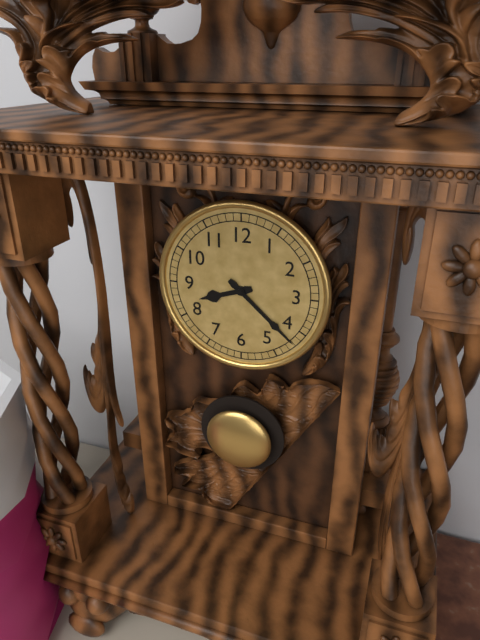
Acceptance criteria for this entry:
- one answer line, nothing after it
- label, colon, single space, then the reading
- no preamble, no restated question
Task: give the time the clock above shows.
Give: 8:22
